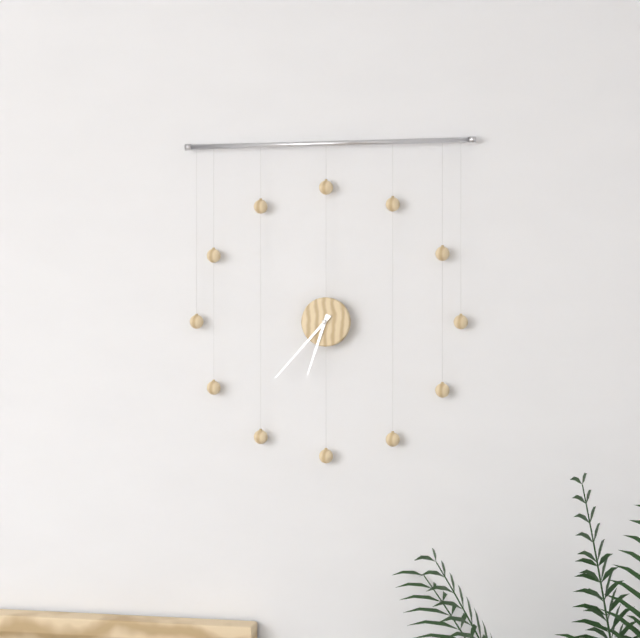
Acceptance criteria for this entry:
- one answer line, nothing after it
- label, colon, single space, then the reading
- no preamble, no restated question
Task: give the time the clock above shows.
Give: 6:37
